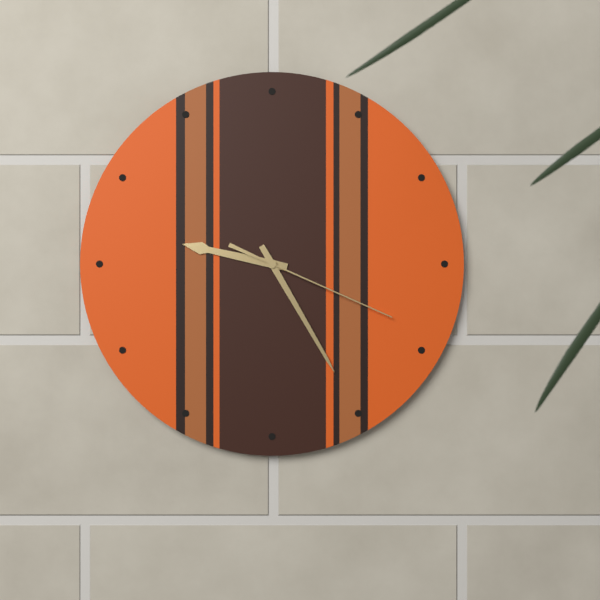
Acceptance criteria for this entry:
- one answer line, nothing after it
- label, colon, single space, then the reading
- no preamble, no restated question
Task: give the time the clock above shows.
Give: 9:25:19
